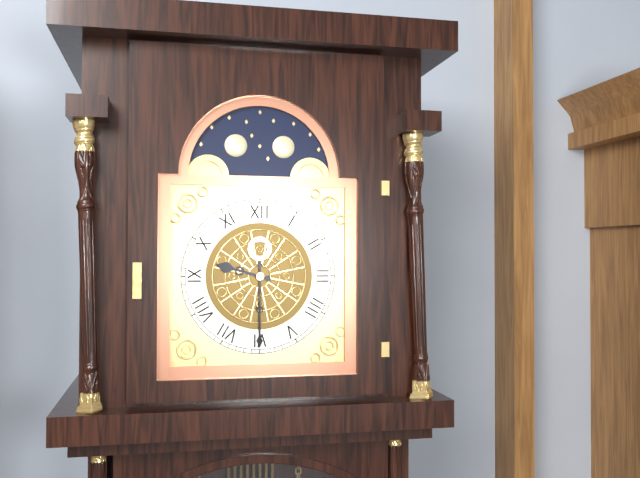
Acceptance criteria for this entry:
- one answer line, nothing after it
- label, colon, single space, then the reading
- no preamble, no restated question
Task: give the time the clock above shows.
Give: 9:30
